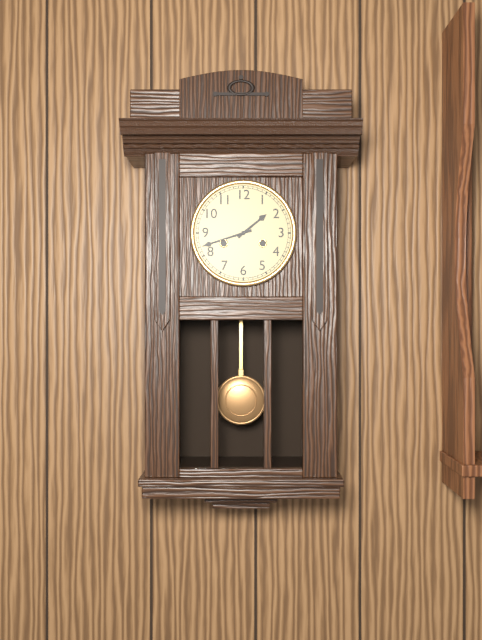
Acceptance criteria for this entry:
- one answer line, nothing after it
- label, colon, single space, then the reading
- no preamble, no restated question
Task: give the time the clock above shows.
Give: 1:42
